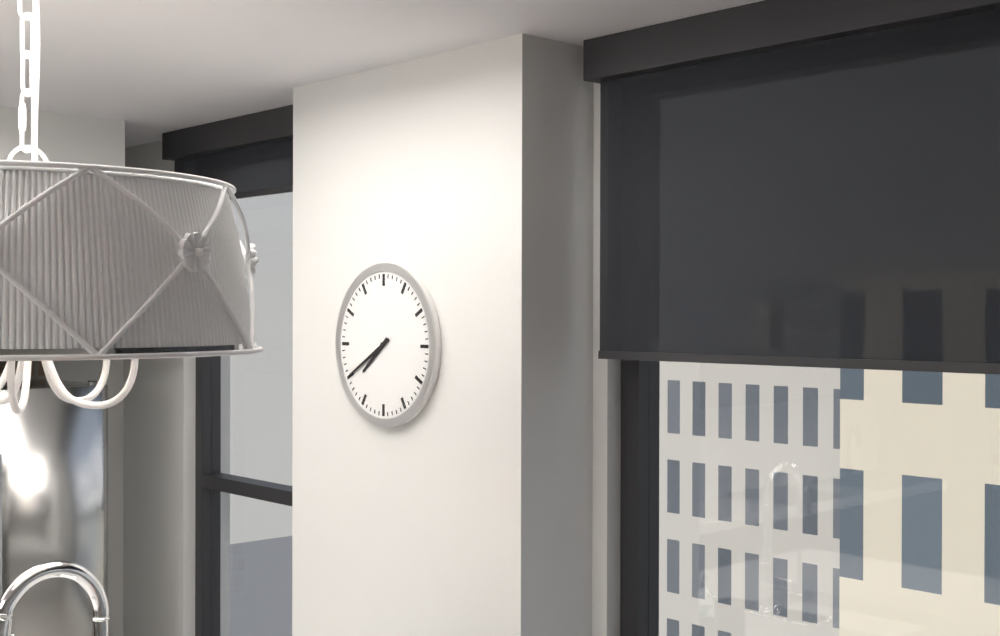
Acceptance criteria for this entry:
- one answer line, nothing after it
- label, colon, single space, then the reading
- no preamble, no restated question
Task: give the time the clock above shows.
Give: 7:40
